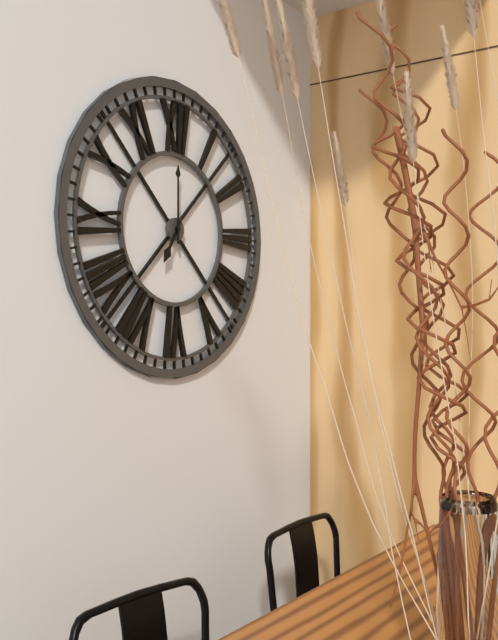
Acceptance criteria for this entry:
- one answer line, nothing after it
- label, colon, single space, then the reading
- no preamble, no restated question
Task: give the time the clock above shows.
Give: 7:00
